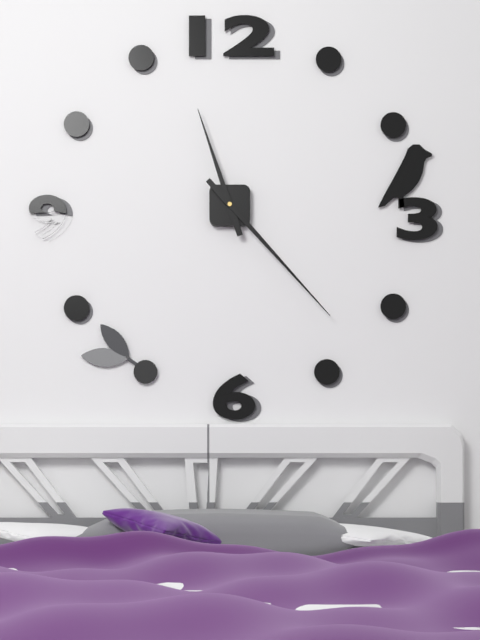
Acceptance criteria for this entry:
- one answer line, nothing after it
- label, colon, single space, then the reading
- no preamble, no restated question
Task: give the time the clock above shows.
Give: 11:23
